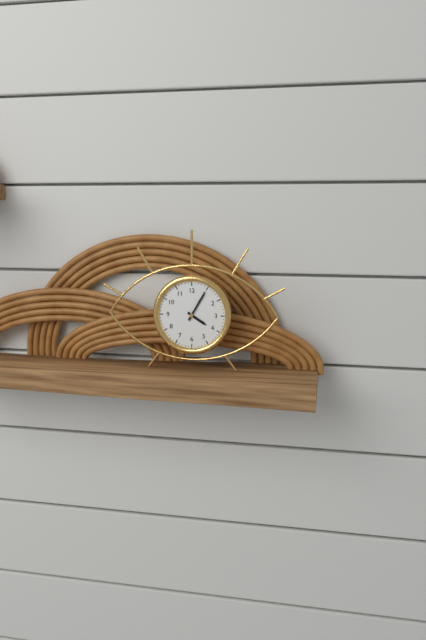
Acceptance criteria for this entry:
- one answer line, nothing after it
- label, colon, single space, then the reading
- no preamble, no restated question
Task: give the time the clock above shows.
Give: 4:05
